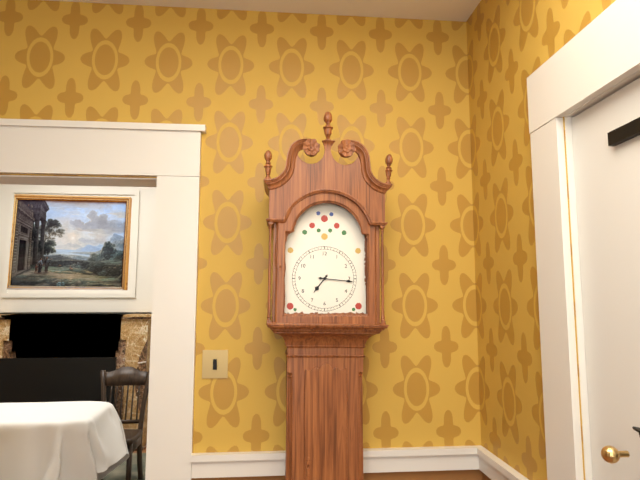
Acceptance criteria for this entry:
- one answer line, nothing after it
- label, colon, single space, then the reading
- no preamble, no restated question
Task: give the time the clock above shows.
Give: 7:16
